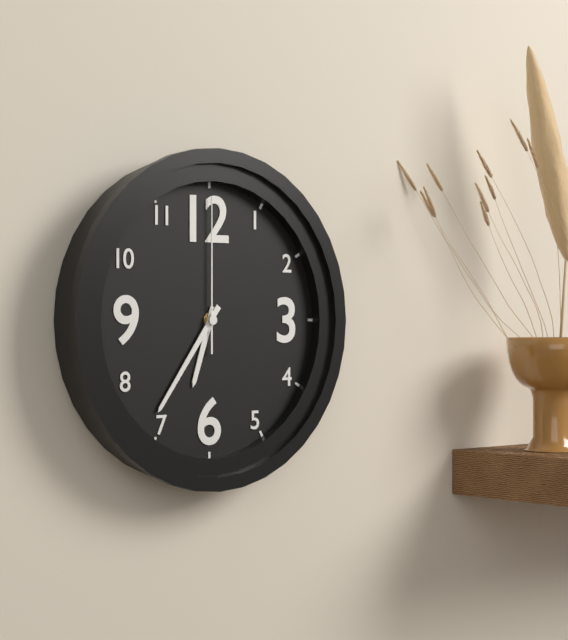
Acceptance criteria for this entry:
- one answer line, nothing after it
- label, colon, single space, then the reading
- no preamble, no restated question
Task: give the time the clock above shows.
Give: 6:36:00
